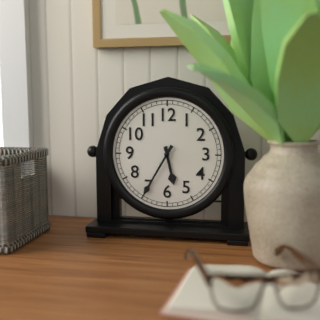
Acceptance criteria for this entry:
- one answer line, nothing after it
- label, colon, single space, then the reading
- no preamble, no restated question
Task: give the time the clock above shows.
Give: 5:35
